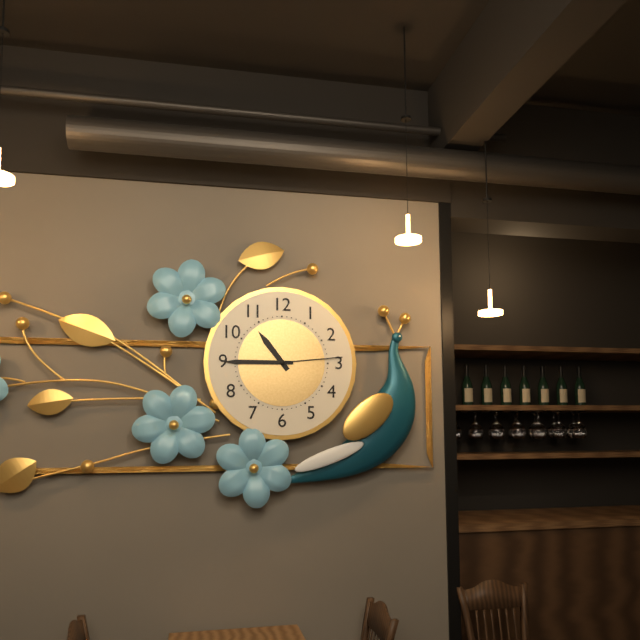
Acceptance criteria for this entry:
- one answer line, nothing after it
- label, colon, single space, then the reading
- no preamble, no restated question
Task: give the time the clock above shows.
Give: 10:45:14
